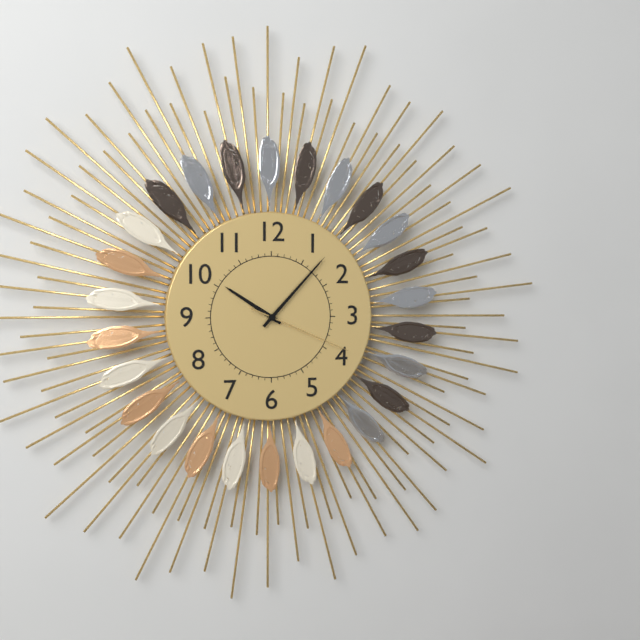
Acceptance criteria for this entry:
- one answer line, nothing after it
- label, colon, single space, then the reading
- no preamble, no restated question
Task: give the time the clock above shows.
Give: 10:07:19
